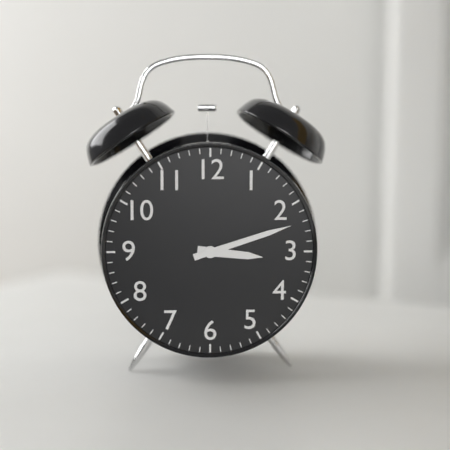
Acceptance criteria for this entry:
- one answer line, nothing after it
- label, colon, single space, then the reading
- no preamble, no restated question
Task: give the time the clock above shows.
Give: 3:12
